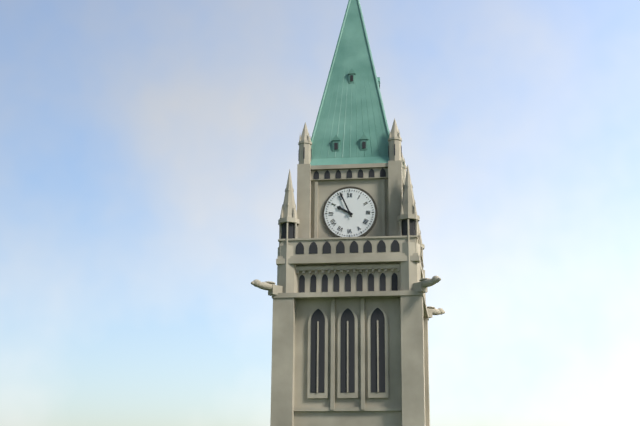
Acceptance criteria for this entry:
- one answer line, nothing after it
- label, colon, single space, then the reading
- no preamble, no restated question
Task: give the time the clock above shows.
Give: 9:56
